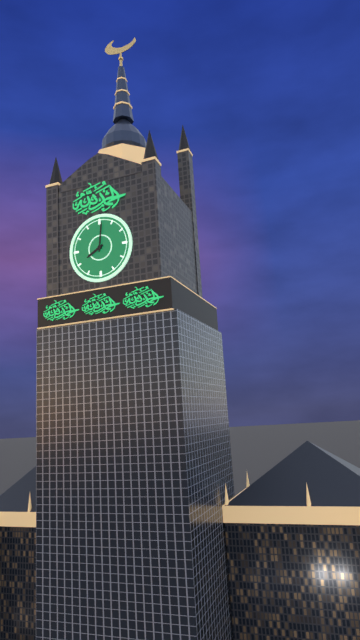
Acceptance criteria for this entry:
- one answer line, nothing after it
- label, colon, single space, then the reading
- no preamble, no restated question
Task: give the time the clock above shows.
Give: 8:01
